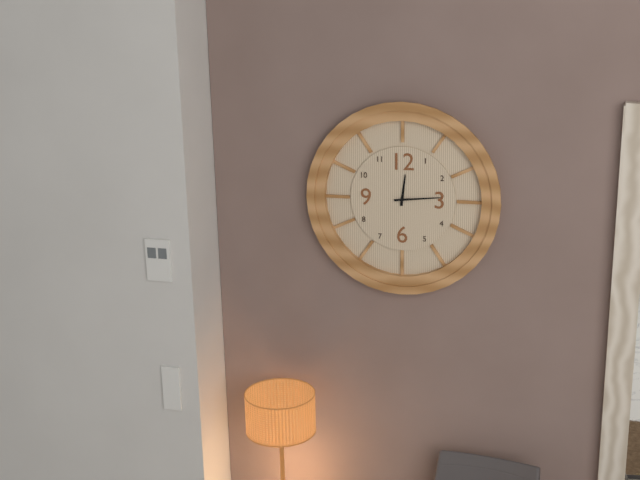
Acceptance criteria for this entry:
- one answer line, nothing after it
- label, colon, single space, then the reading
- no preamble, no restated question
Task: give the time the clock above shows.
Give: 12:14
